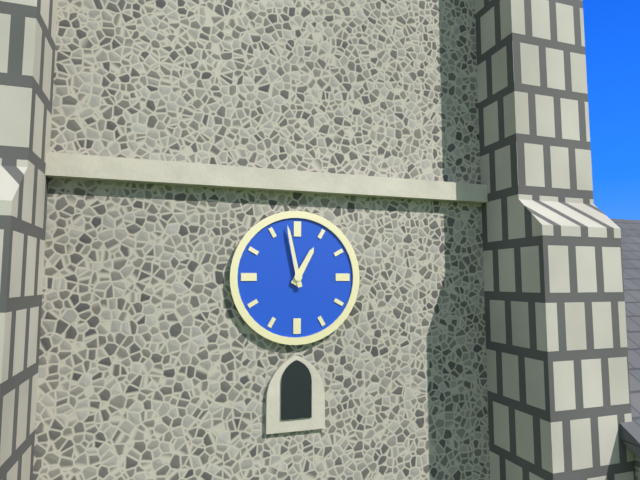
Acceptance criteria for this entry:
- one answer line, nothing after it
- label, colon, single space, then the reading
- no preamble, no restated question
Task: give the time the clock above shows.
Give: 12:58
